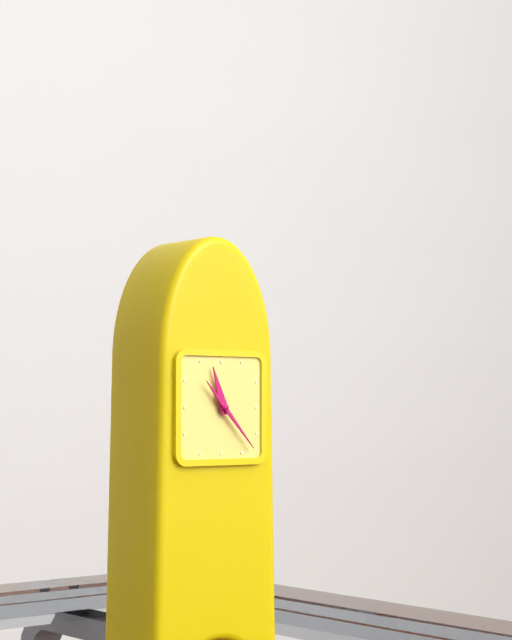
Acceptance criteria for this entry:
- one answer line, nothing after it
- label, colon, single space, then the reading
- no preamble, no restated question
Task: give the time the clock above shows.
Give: 11:23
